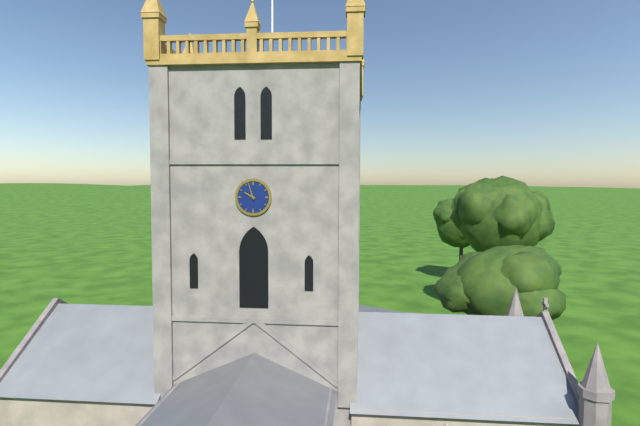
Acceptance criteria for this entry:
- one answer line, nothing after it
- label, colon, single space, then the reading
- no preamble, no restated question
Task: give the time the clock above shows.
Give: 9:57
